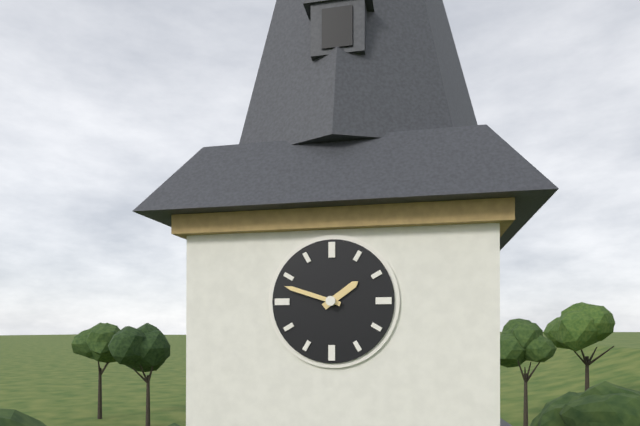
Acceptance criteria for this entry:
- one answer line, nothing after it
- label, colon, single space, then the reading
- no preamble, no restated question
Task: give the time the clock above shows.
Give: 1:48
